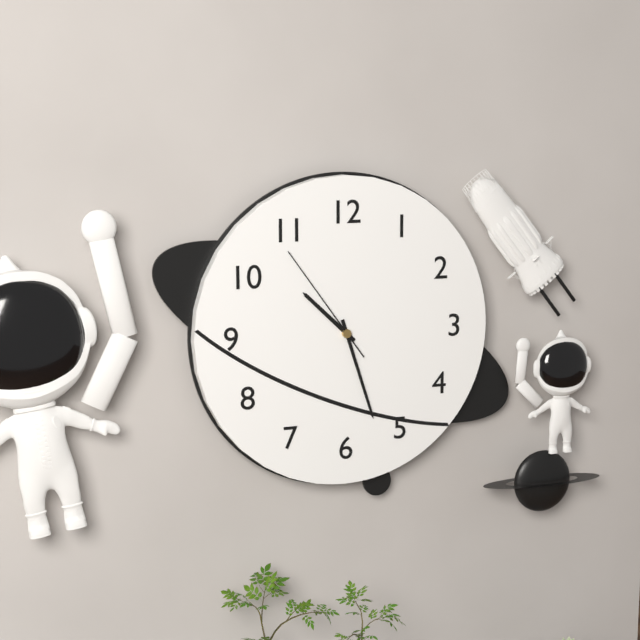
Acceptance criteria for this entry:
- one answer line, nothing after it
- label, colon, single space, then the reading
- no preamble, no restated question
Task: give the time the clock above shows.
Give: 10:27:54
